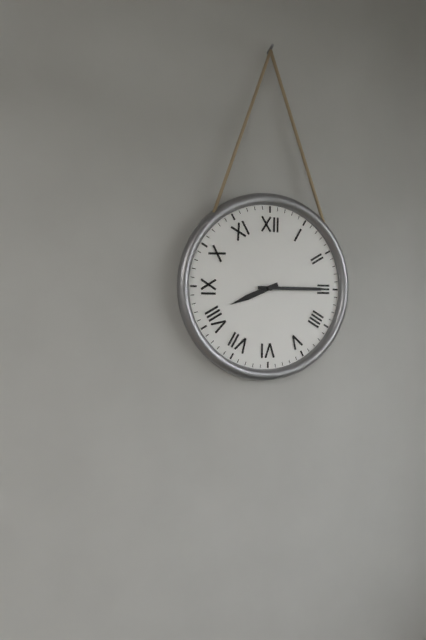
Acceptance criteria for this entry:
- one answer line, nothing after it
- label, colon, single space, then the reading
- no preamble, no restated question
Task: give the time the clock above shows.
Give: 8:15
